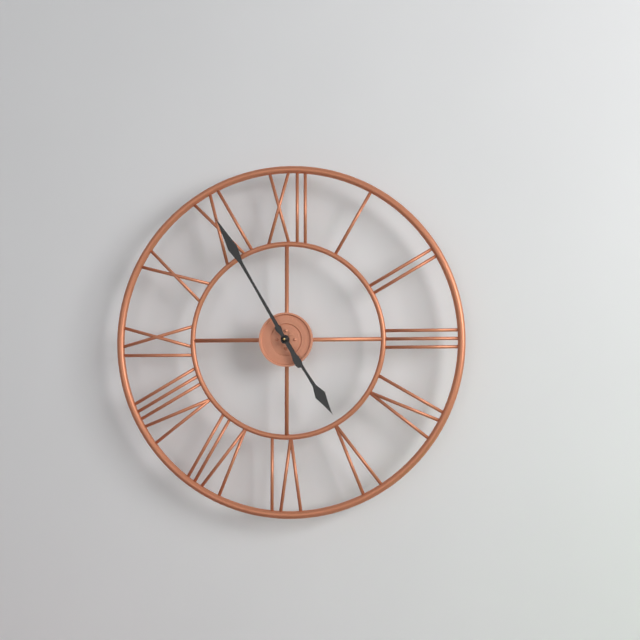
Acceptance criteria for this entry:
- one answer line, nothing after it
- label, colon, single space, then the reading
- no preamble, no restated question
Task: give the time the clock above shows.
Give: 4:55
